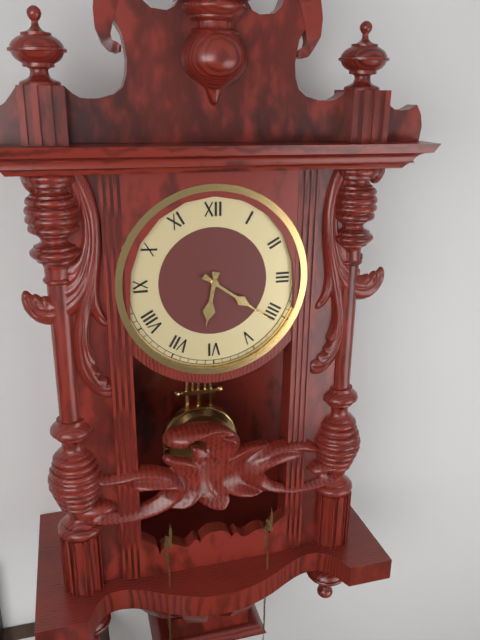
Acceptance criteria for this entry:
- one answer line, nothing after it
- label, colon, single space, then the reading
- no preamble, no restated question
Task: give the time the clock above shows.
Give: 6:21
